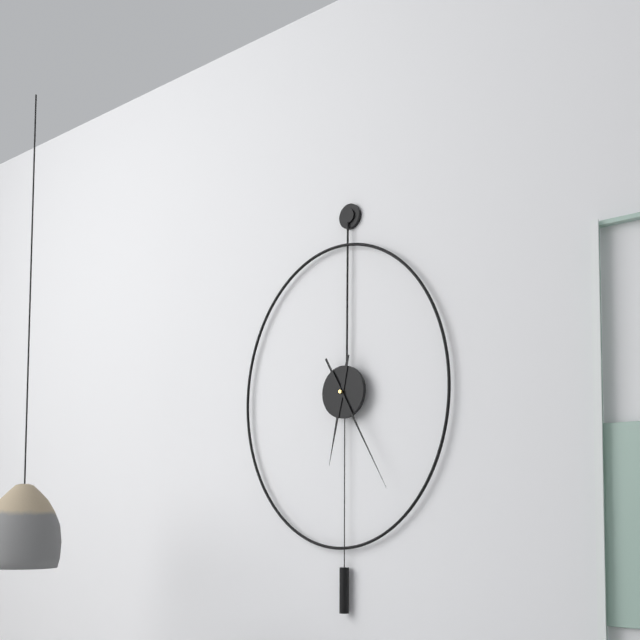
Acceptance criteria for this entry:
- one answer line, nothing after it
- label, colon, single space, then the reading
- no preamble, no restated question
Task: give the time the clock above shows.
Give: 6:25
